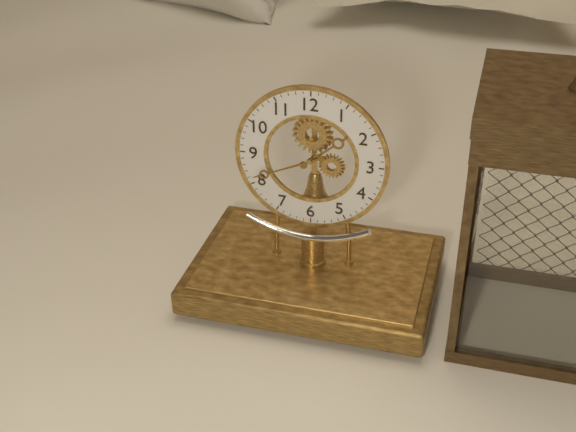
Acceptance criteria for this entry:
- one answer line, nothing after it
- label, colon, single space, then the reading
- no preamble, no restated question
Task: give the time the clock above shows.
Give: 1:41
